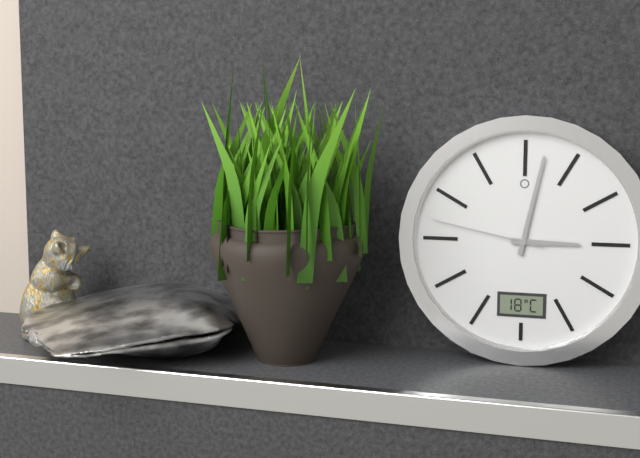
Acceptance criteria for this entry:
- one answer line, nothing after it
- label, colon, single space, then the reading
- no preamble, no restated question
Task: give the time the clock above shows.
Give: 3:02:47
